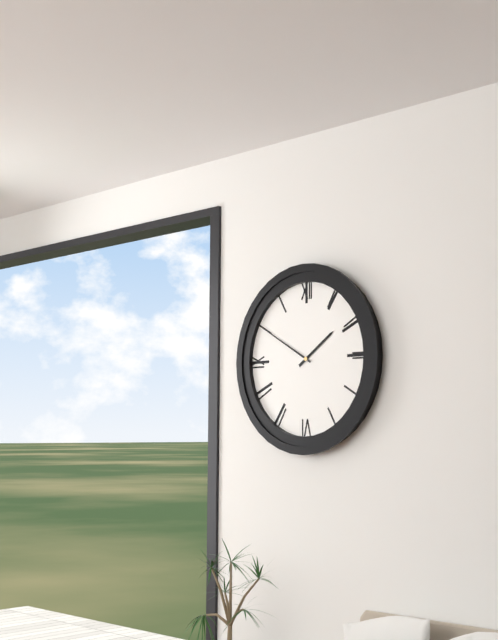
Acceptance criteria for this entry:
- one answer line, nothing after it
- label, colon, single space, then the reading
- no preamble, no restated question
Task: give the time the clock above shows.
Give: 1:50
